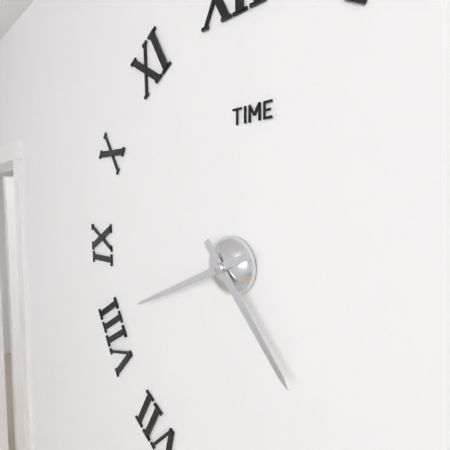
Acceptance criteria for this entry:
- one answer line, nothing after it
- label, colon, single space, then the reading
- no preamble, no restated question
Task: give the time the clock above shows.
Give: 4:41
